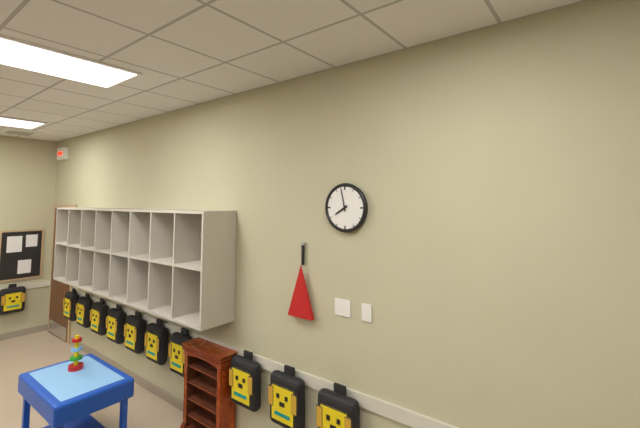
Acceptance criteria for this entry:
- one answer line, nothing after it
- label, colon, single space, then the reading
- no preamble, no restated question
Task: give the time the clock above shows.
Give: 7:58
